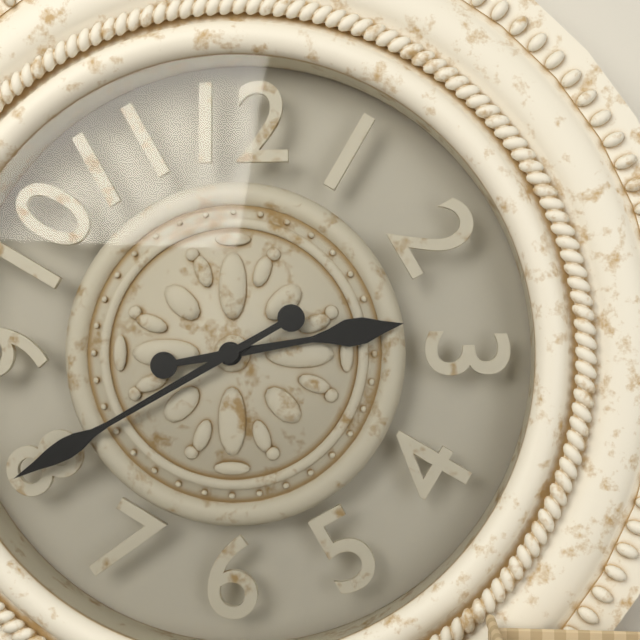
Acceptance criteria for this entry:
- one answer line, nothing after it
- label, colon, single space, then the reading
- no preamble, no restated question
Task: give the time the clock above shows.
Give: 2:40
